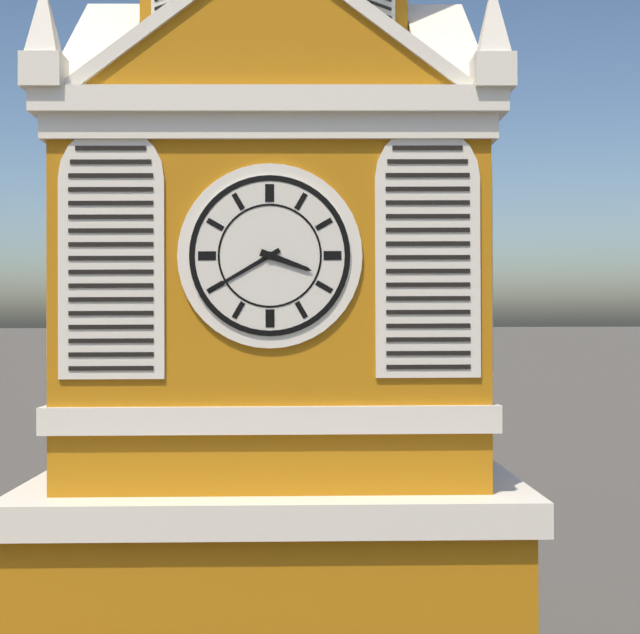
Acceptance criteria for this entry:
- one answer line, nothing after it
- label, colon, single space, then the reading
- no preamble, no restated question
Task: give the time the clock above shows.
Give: 3:40
